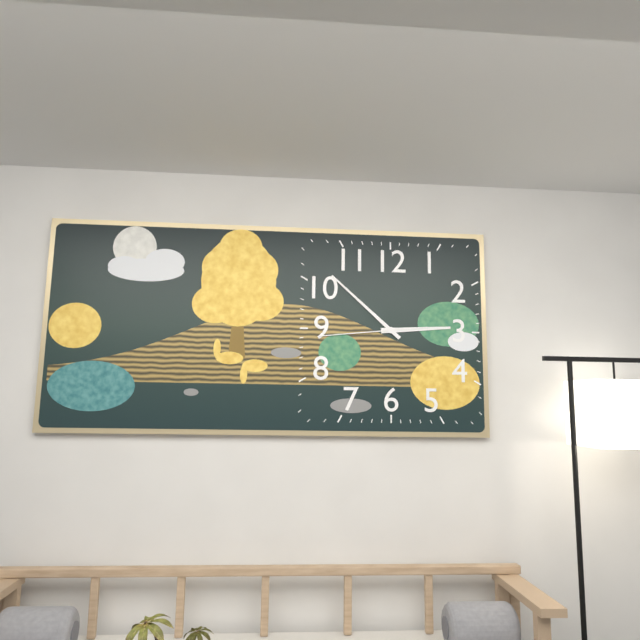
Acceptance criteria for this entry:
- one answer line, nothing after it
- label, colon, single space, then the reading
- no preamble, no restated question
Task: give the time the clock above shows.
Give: 2:52:44
